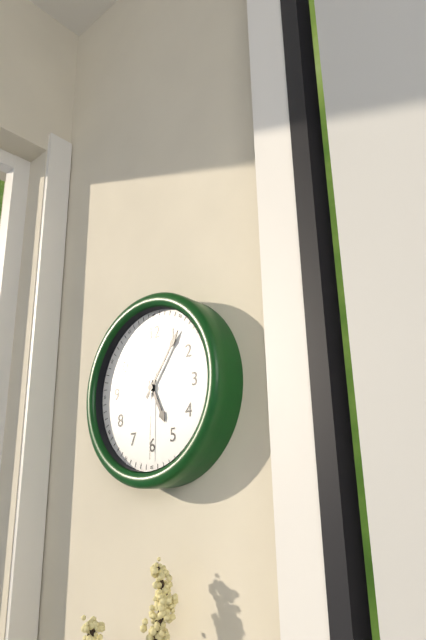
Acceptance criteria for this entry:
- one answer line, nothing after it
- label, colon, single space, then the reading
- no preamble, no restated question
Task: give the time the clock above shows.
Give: 5:06:30
